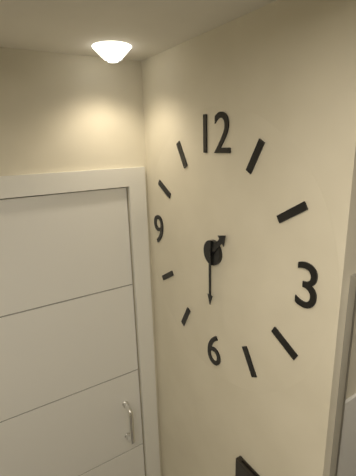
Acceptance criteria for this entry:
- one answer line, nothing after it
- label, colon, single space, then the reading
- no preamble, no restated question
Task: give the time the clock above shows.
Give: 1:30
